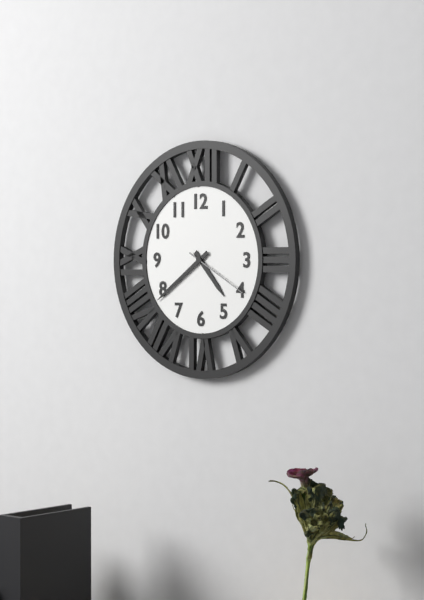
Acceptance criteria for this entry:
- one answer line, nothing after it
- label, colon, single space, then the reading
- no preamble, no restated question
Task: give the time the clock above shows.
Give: 4:39:20
